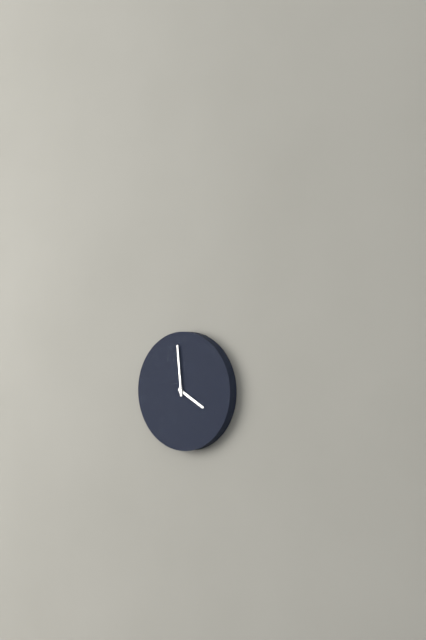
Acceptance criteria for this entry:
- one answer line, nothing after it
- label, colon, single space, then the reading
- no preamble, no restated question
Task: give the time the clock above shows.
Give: 3:59
